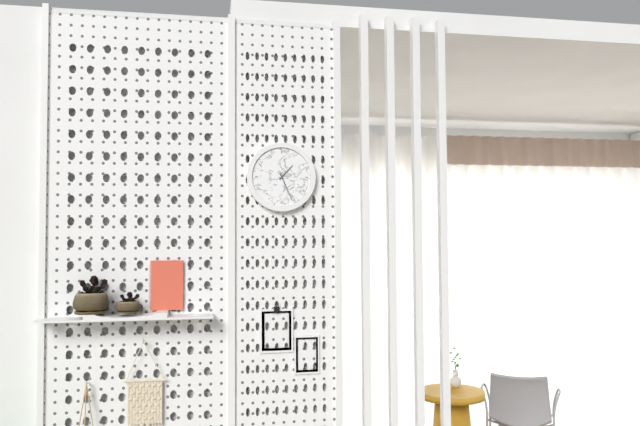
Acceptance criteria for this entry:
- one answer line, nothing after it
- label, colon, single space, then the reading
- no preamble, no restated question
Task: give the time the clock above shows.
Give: 1:26
